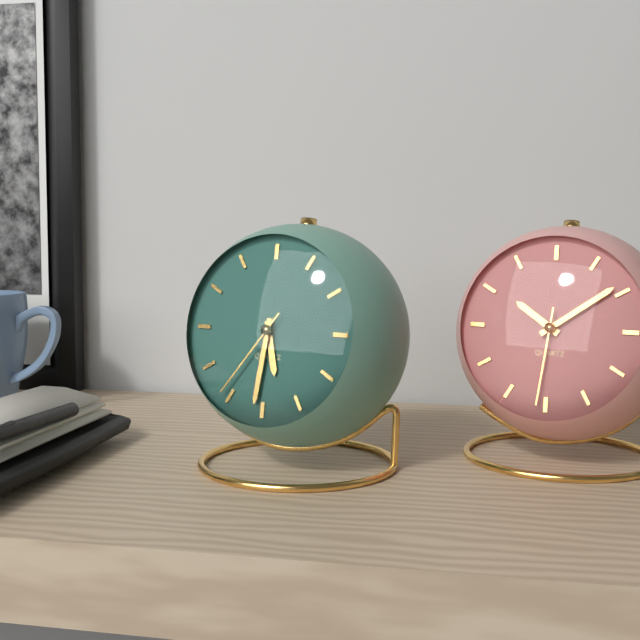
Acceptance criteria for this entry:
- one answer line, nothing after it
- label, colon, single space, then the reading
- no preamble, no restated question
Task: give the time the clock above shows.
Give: 5:31:36
